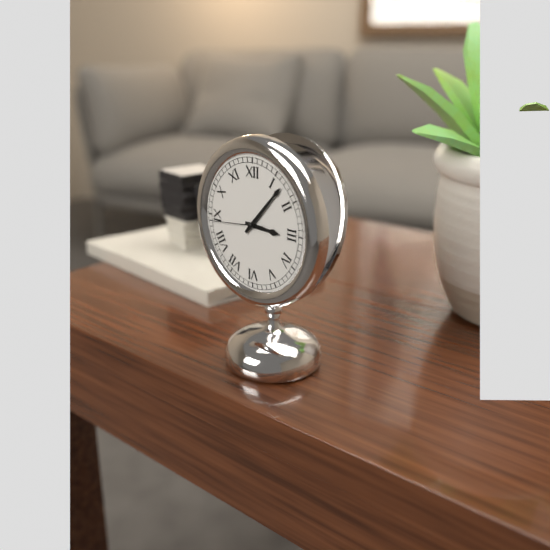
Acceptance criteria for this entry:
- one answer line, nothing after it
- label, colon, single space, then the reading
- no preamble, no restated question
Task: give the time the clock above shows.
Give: 3:07:44
